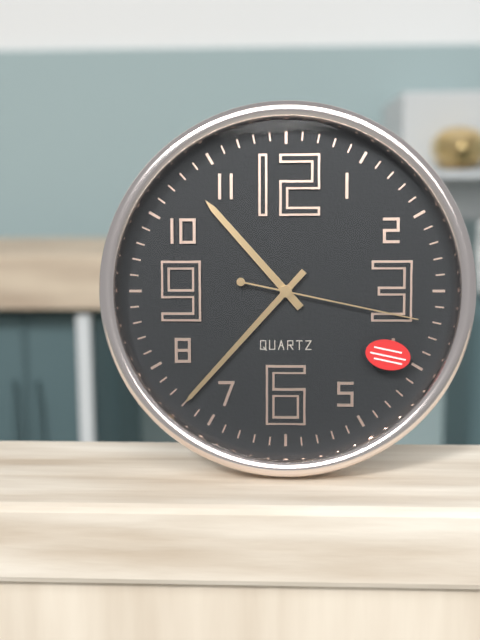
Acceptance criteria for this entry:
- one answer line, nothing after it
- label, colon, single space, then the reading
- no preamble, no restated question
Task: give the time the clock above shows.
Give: 10:37:17
